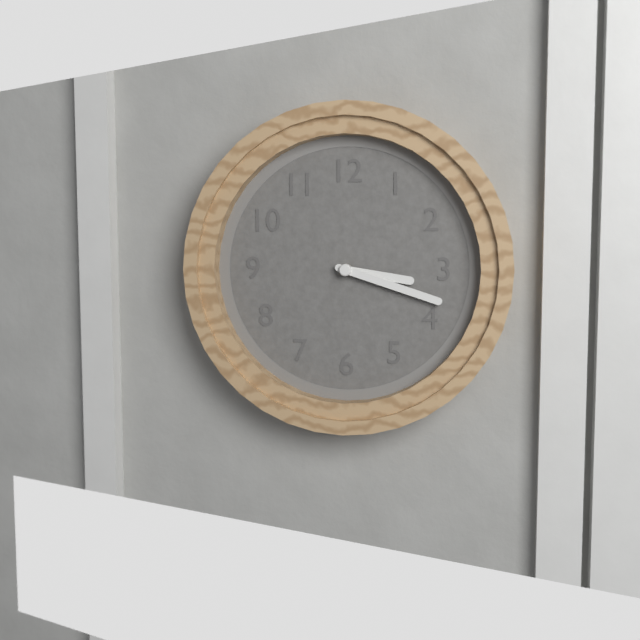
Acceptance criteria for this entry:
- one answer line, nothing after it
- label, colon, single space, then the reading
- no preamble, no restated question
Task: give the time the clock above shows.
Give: 3:18
